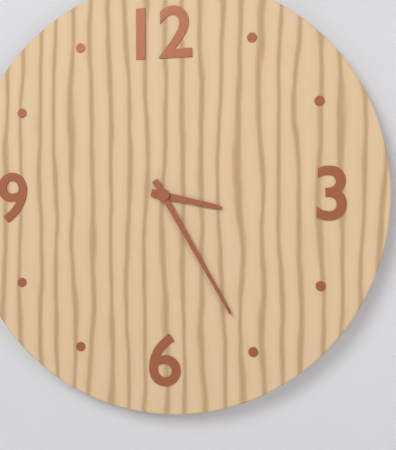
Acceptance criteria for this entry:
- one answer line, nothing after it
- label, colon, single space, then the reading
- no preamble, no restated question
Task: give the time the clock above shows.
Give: 3:25
